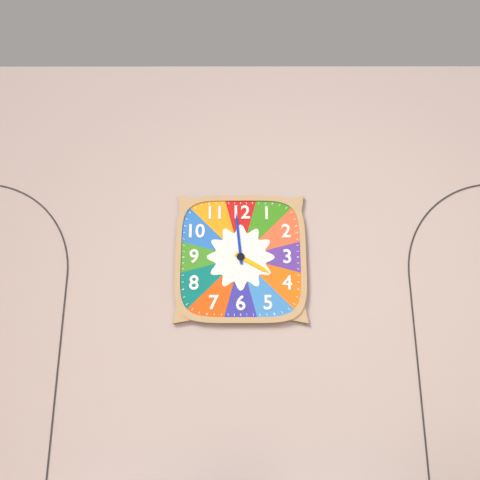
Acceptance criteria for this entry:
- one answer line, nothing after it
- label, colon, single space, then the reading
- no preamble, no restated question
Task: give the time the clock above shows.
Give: 3:59
